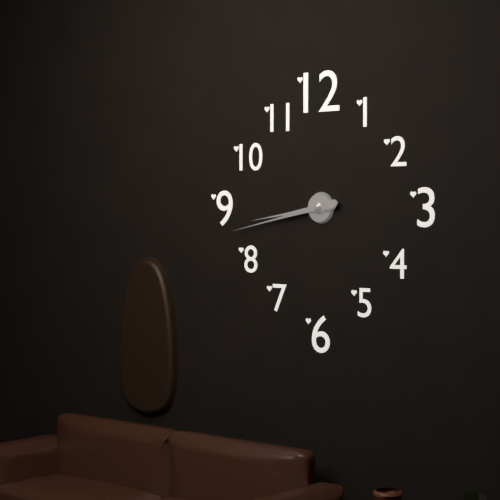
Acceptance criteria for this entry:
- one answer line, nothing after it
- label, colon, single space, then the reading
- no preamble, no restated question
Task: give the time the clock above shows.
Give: 8:43
